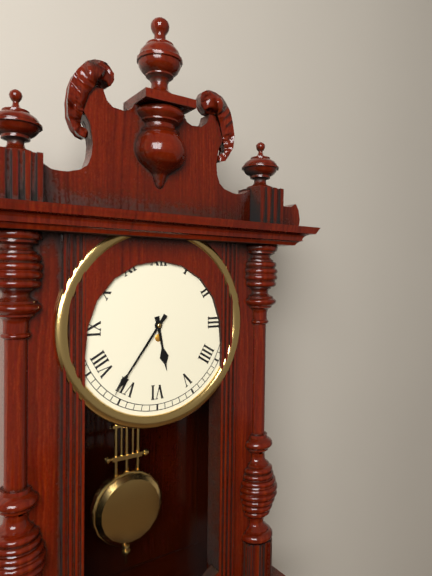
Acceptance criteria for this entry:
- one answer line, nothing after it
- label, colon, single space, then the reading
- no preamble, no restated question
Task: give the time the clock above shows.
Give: 5:36
